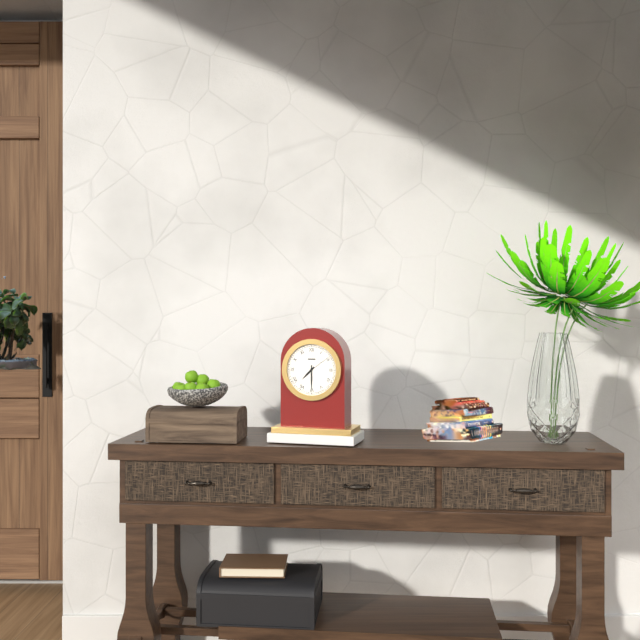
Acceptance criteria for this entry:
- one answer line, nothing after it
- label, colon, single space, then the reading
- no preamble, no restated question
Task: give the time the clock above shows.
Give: 7:30
